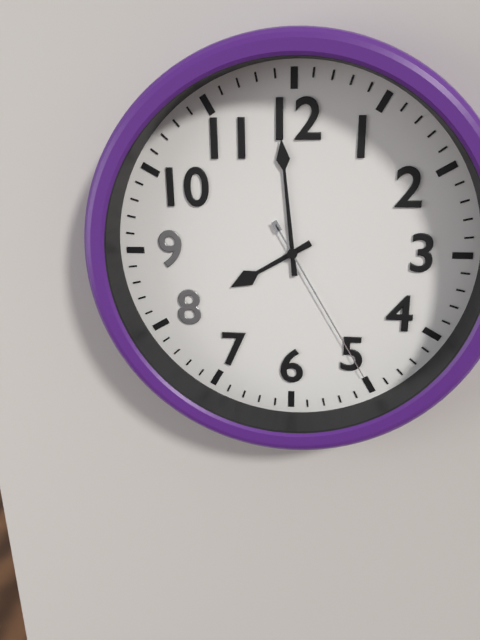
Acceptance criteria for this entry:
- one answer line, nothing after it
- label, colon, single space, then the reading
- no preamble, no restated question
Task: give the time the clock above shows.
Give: 7:59:25
